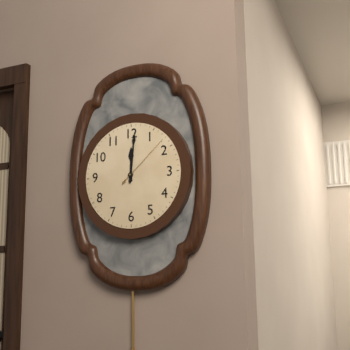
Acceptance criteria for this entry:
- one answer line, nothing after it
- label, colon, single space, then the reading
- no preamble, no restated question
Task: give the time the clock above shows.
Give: 12:01:08
